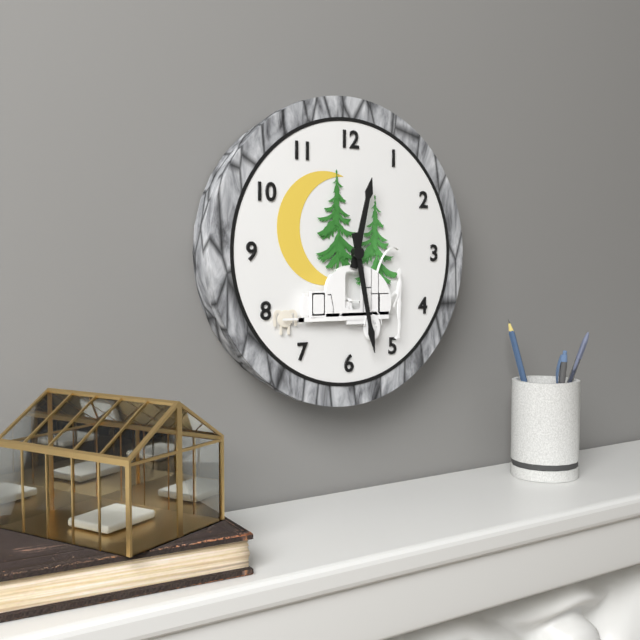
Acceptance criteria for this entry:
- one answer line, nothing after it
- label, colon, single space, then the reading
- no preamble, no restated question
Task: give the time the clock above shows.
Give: 12:28
